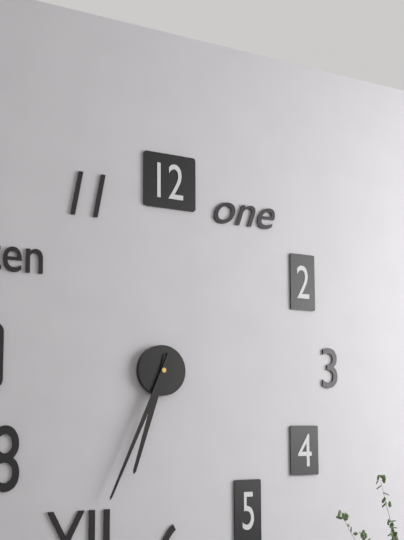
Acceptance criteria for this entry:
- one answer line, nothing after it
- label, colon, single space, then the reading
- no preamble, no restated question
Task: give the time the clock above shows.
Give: 6:34
